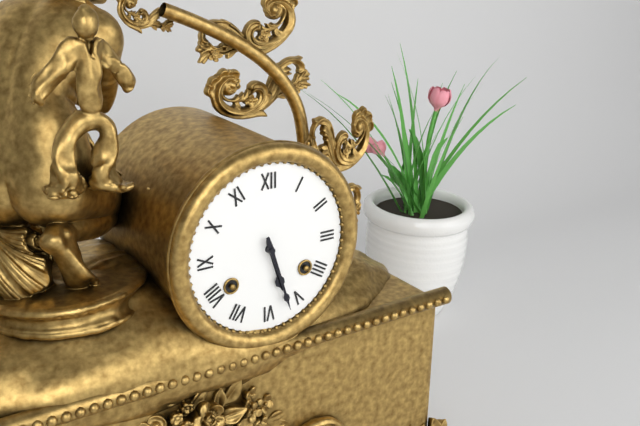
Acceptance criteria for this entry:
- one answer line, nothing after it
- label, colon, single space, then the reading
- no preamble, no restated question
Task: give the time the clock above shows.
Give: 5:27
